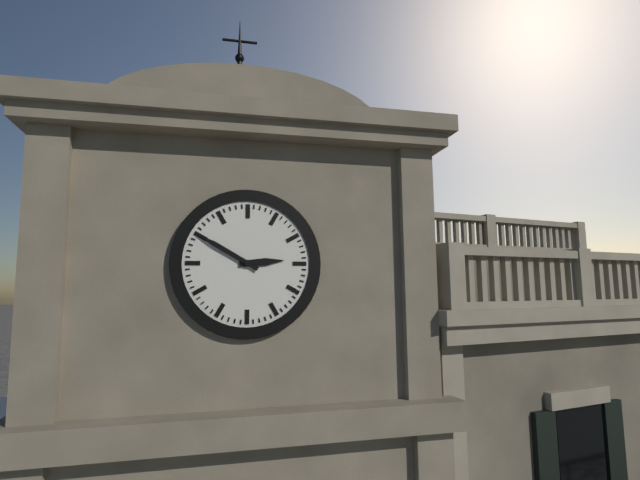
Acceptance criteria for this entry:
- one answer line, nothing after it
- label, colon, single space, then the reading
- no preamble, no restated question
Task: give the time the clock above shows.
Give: 2:50
